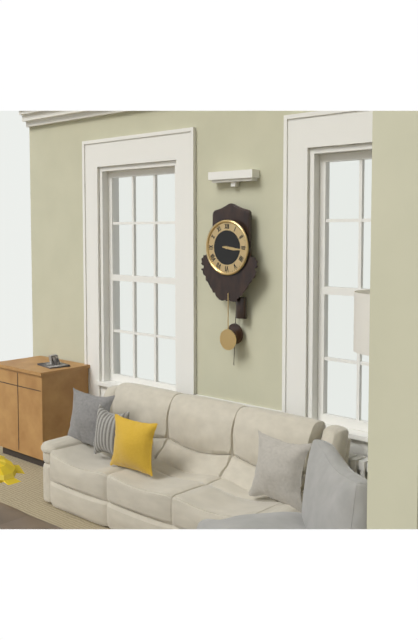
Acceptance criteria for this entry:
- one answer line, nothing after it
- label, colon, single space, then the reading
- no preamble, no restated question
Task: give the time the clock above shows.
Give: 3:16
